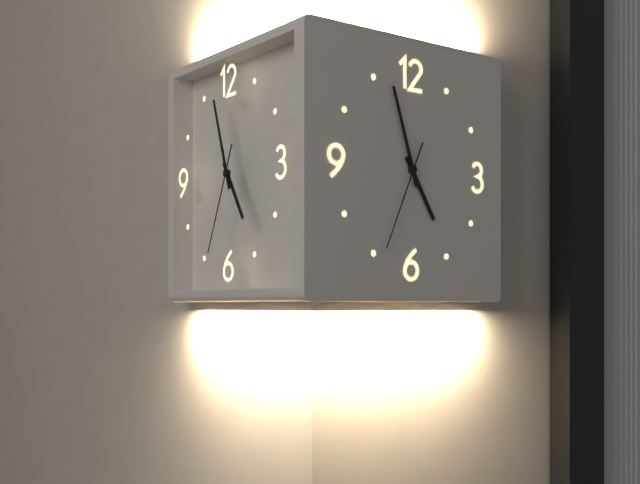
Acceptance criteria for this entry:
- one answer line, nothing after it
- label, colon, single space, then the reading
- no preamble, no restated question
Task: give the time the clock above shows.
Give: 4:57:34
